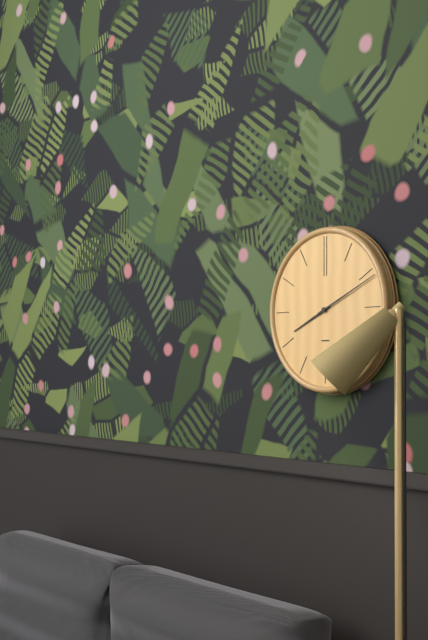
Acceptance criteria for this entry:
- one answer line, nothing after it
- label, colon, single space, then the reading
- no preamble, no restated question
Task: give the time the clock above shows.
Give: 8:11
